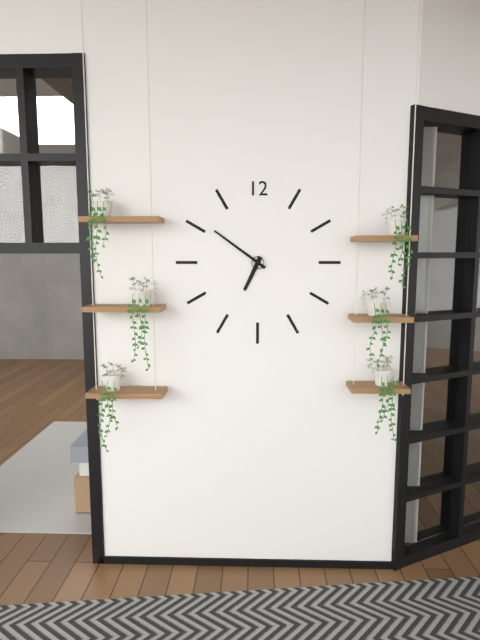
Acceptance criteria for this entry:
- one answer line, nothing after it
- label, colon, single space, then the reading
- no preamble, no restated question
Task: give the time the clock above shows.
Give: 6:51
